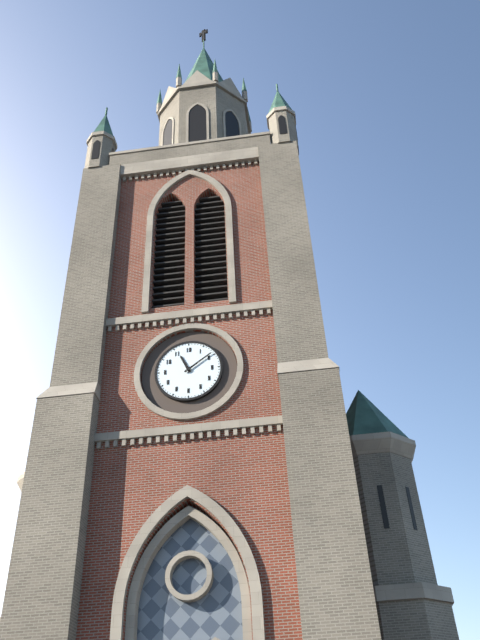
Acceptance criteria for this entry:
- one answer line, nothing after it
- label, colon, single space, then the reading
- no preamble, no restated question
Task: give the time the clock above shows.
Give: 11:09
